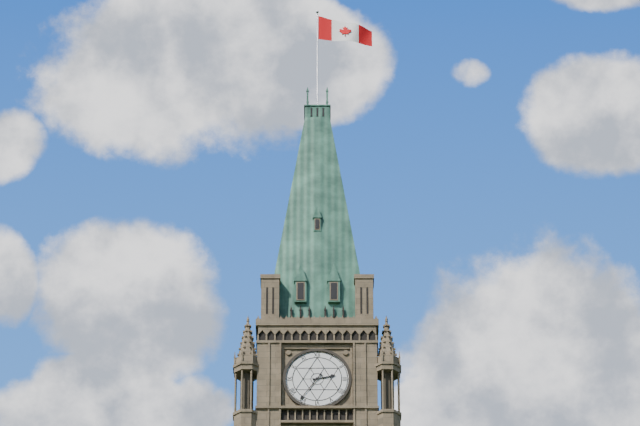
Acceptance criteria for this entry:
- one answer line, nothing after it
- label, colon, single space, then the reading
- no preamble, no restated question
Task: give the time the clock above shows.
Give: 2:36
